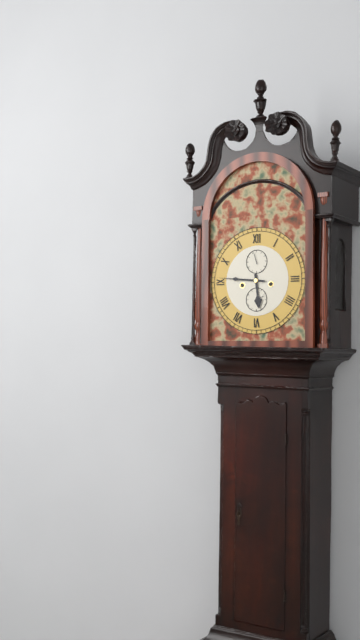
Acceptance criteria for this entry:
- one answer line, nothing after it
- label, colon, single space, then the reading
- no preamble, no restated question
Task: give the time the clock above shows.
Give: 5:46
